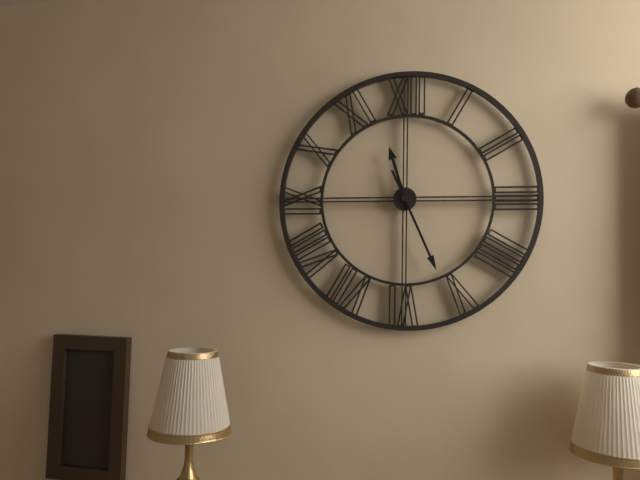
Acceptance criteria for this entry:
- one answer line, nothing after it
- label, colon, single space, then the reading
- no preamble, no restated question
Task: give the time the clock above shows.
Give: 11:26
